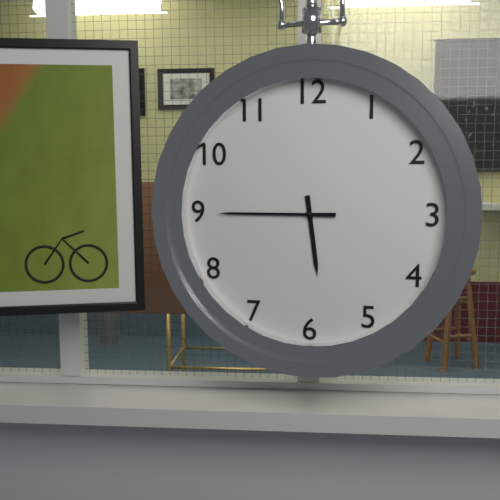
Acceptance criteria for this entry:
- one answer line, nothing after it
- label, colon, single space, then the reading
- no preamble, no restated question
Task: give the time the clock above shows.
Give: 5:45
